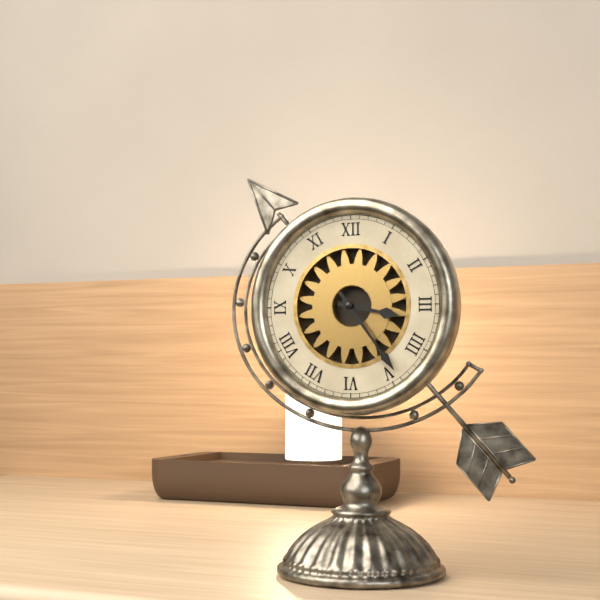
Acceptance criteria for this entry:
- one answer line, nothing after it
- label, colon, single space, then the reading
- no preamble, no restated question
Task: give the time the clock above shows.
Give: 3:24
